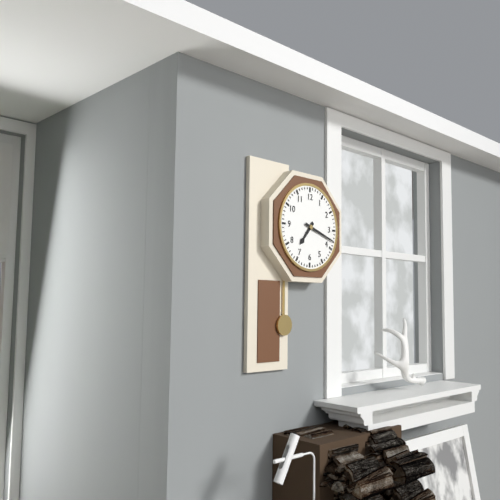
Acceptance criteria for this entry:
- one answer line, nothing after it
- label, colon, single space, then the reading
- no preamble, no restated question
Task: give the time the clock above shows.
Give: 7:18
